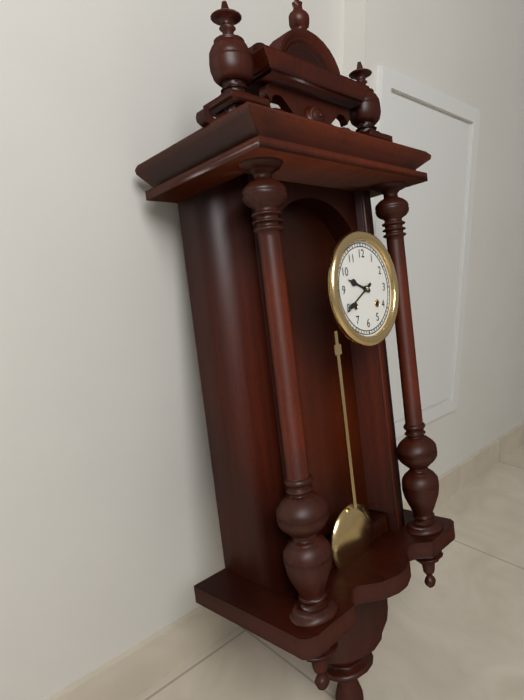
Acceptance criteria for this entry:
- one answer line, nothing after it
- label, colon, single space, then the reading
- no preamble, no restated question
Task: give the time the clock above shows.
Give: 9:40
